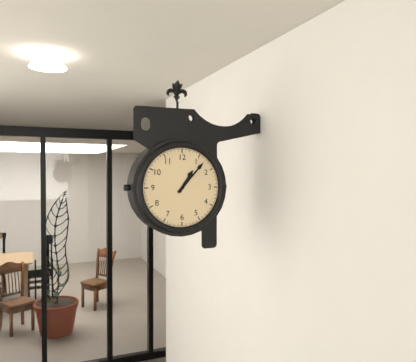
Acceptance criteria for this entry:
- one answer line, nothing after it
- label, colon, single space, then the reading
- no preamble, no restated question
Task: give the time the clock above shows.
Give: 1:07
